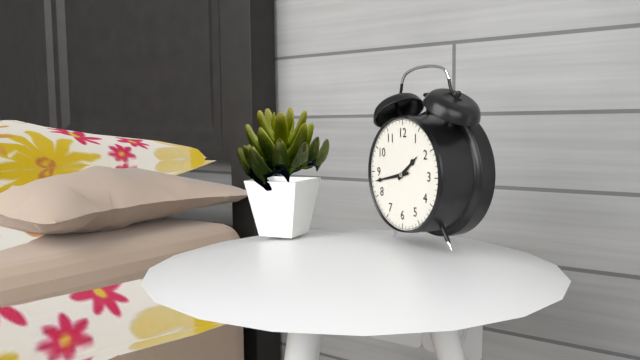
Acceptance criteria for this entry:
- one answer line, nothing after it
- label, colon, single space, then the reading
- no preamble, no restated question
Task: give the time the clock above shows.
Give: 1:43
